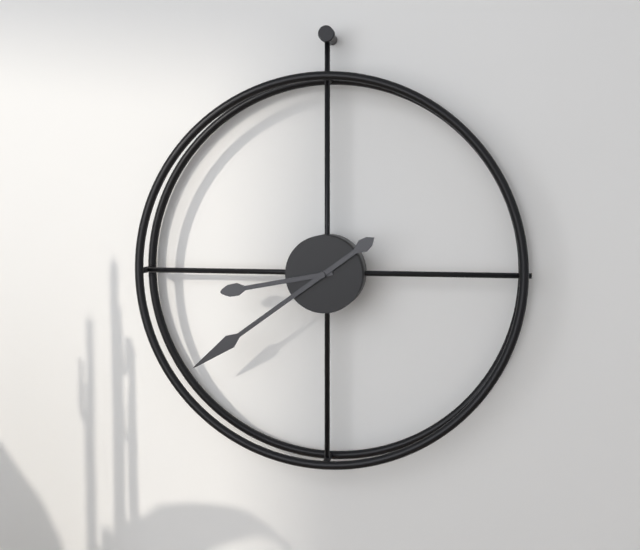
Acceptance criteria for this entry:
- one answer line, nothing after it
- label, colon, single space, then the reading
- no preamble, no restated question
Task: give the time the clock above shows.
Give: 8:39
